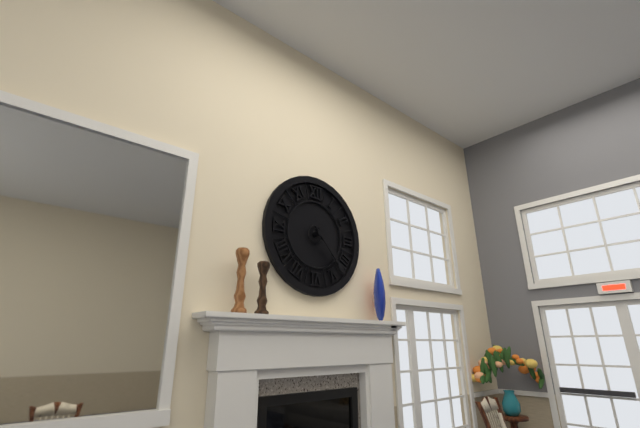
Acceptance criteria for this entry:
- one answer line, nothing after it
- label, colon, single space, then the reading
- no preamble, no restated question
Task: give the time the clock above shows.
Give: 4:23
